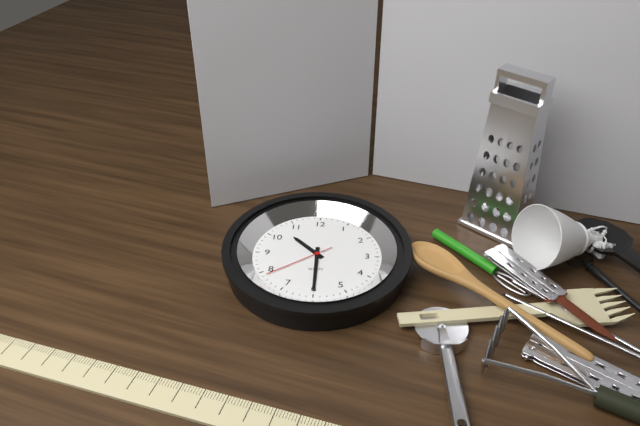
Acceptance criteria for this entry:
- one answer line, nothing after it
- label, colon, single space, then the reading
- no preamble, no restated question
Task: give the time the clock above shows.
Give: 10:30:39
